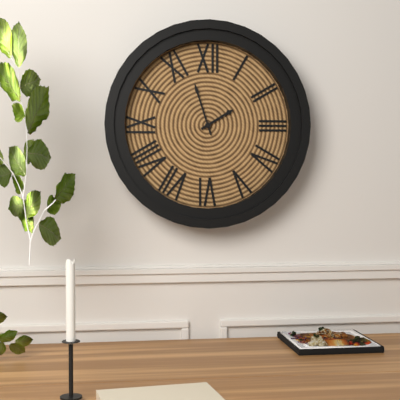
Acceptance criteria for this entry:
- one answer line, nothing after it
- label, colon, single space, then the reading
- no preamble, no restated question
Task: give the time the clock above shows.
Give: 1:57
